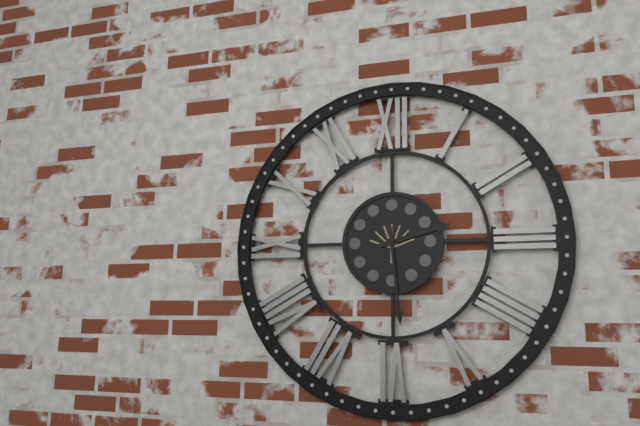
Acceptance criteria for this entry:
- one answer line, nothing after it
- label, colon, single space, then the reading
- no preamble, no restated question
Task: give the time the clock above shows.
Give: 2:29
